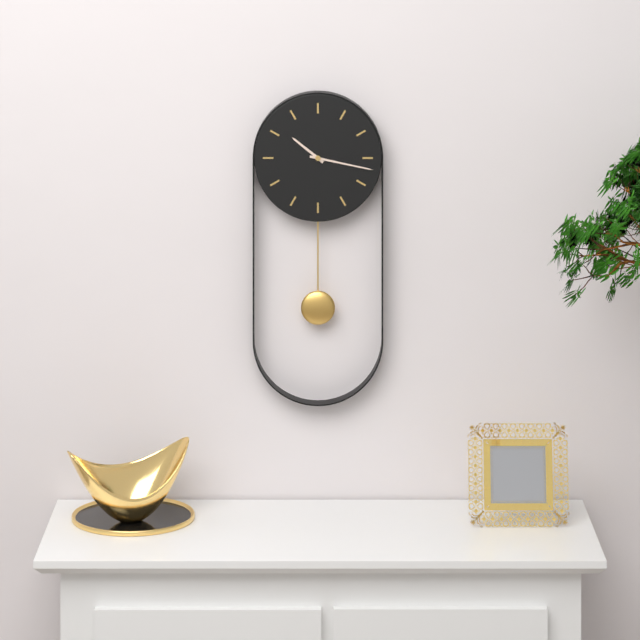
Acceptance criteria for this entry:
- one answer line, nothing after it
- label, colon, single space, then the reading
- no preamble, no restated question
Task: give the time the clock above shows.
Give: 10:17
